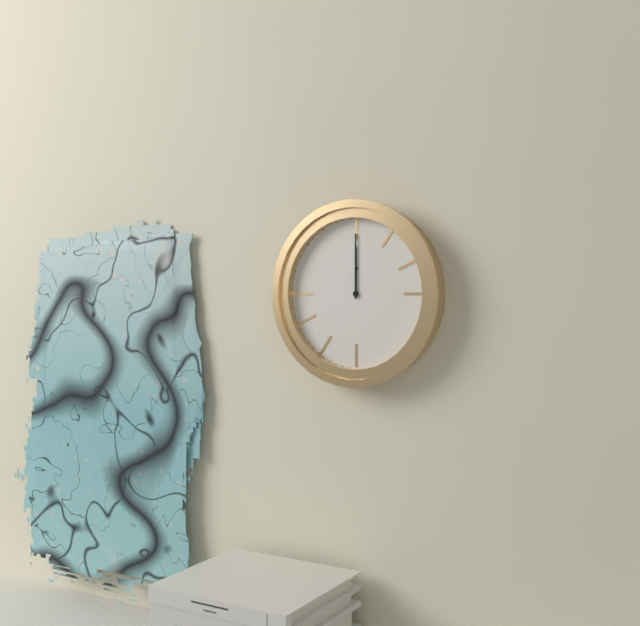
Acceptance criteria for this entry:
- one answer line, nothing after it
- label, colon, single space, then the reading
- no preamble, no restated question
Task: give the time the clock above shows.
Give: 12:00
